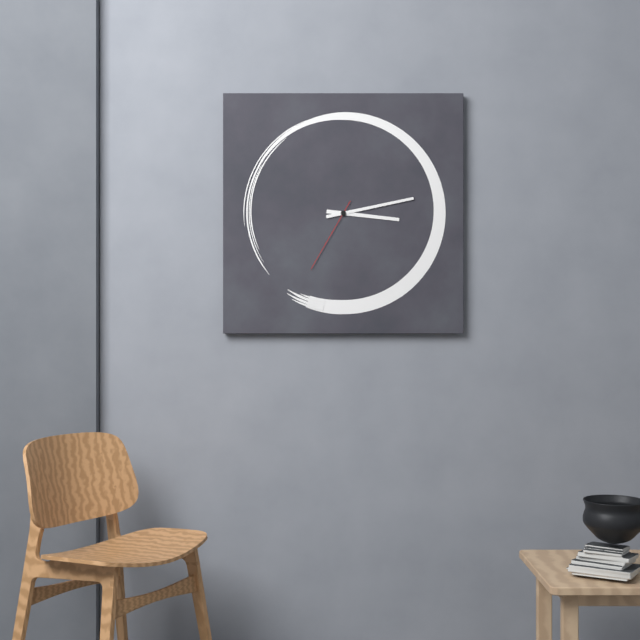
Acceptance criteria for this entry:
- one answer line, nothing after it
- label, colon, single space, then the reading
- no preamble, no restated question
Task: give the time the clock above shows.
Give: 3:13:35
